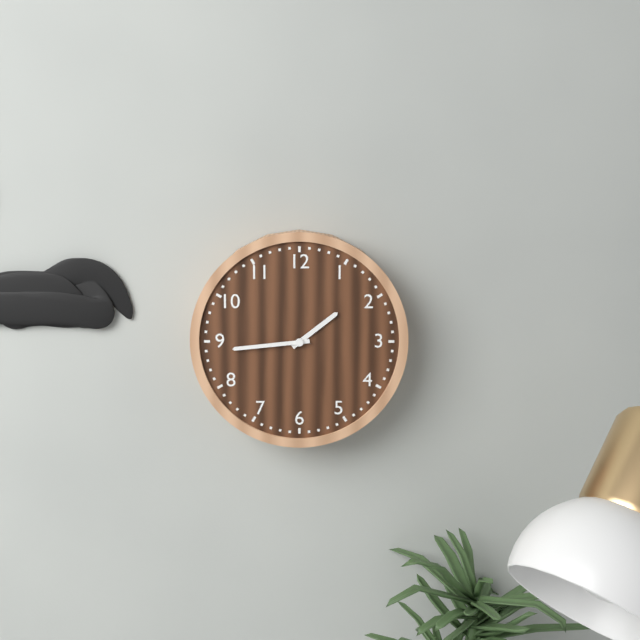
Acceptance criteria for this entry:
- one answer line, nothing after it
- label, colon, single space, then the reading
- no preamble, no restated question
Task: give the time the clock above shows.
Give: 1:44
